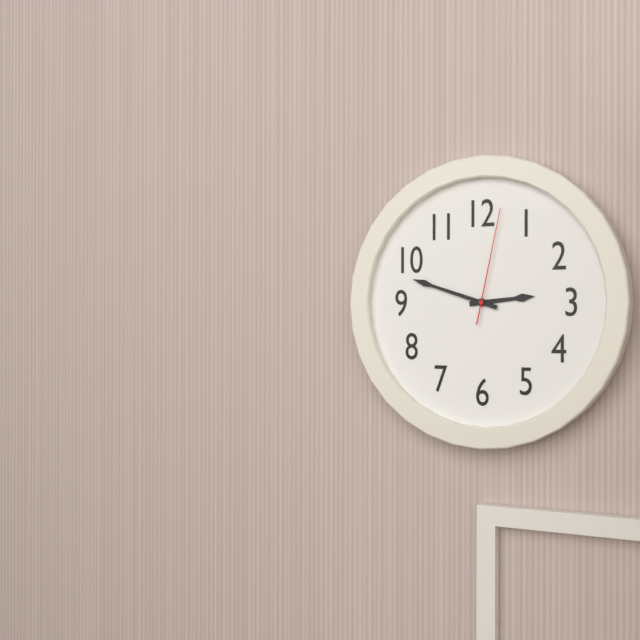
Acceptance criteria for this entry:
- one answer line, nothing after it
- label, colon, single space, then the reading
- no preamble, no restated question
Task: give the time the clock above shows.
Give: 2:48:02
